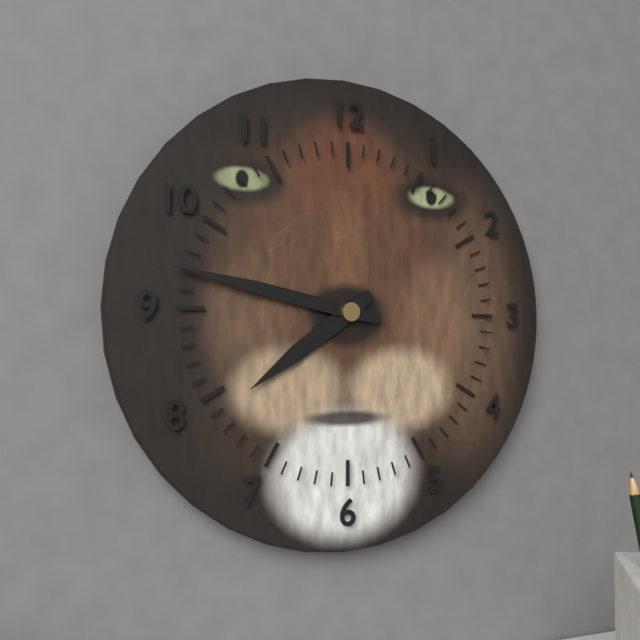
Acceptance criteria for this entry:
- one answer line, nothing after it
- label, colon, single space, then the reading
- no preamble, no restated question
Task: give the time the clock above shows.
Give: 7:47
